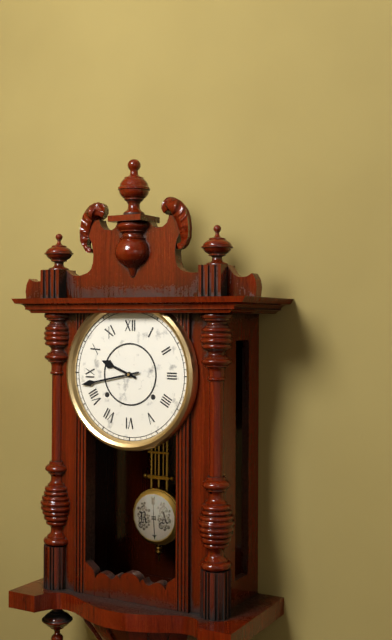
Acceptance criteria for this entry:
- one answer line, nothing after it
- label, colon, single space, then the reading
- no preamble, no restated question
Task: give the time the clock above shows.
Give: 9:43
